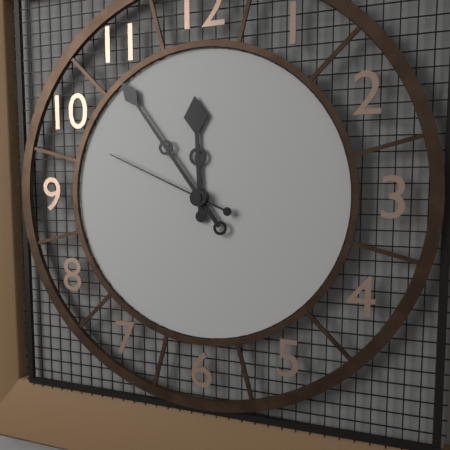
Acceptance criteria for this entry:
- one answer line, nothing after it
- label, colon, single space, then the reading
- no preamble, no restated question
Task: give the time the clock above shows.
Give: 11:54:49
